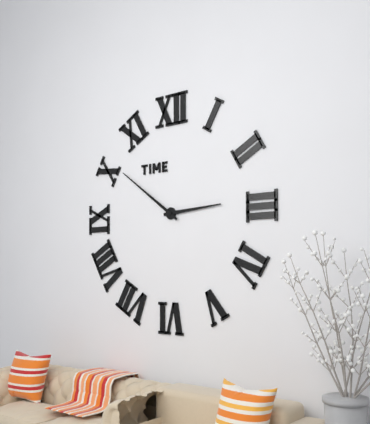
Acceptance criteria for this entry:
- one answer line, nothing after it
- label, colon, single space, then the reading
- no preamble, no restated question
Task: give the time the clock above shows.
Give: 2:51
